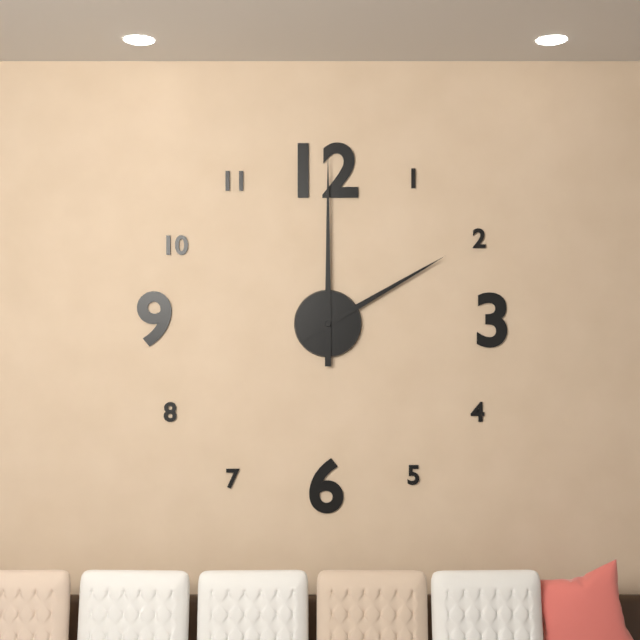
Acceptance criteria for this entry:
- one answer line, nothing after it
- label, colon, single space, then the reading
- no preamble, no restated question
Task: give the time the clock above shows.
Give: 2:00
